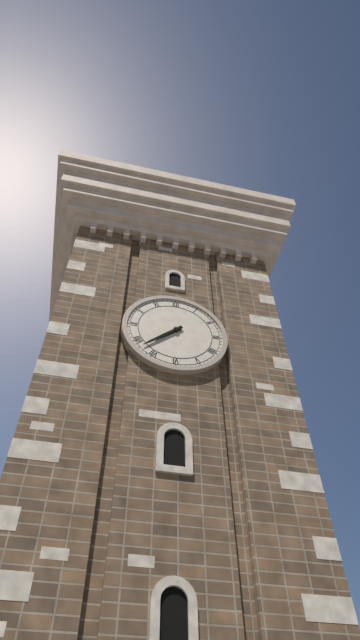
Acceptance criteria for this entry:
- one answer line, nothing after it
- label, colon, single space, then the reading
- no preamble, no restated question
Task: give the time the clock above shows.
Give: 7:38
